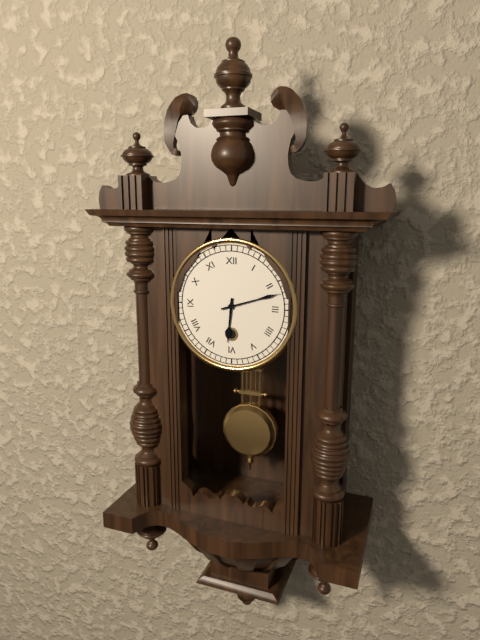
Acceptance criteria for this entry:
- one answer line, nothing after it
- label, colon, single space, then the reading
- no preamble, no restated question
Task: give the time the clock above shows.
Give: 6:12
